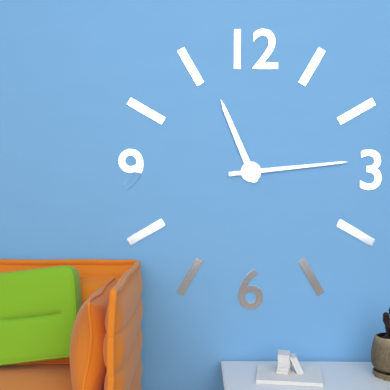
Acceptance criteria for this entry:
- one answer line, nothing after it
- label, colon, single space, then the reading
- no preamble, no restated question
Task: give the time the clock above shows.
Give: 11:14
